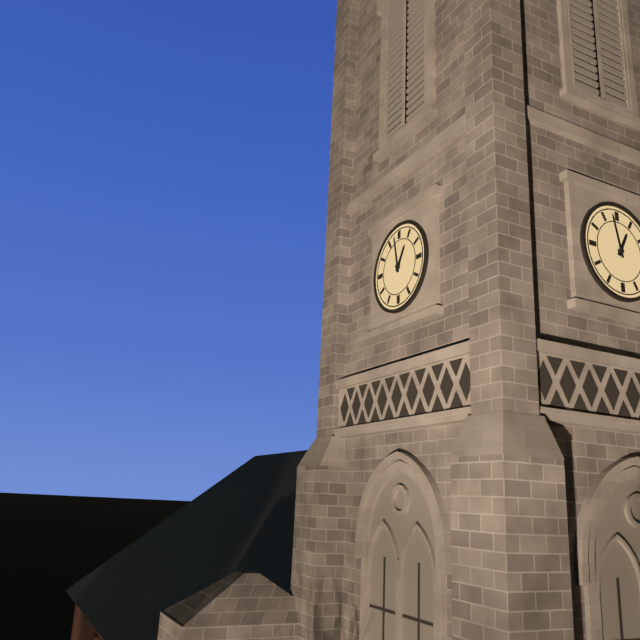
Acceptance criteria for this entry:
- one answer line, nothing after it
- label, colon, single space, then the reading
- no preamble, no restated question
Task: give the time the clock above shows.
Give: 12:58
